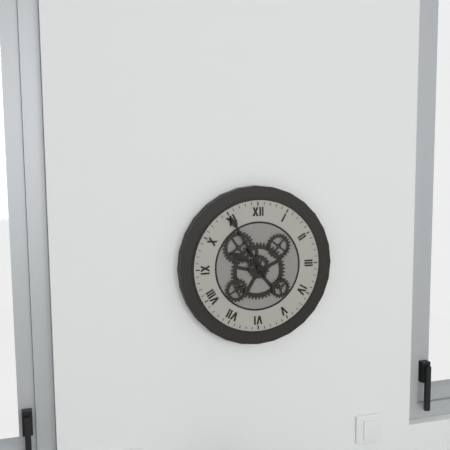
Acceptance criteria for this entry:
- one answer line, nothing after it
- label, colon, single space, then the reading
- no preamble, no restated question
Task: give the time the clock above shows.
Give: 9:55
